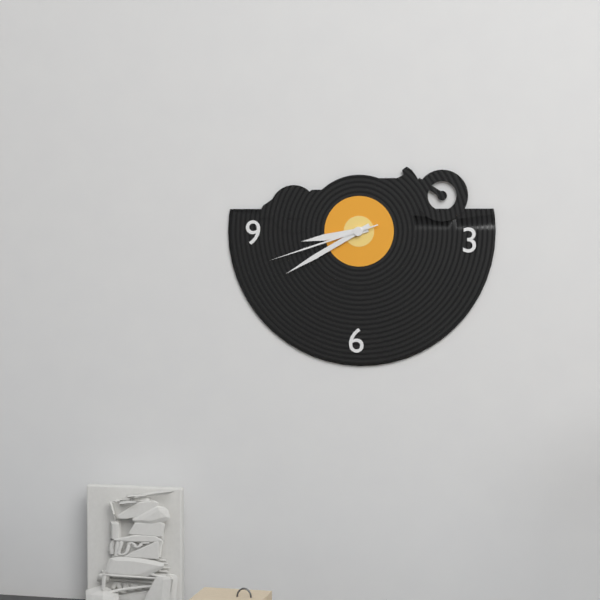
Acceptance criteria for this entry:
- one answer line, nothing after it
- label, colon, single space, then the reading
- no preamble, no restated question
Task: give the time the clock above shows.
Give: 8:40:42
